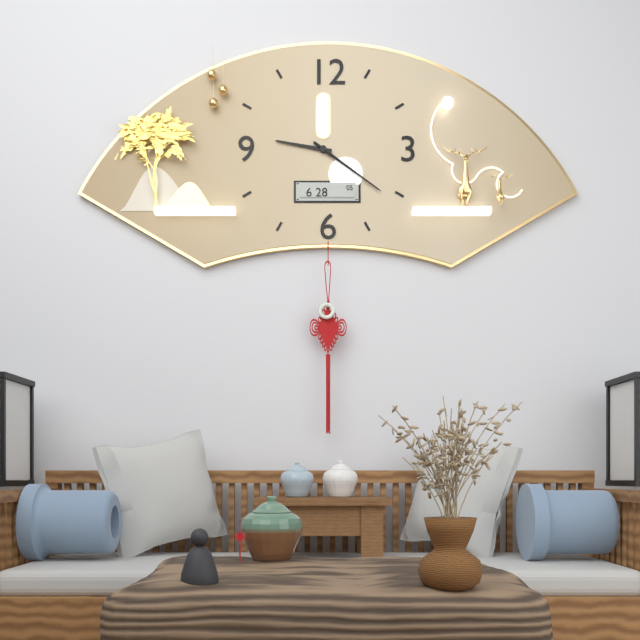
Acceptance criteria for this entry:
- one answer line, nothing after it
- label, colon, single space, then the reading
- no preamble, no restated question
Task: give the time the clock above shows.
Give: 9:21:21
